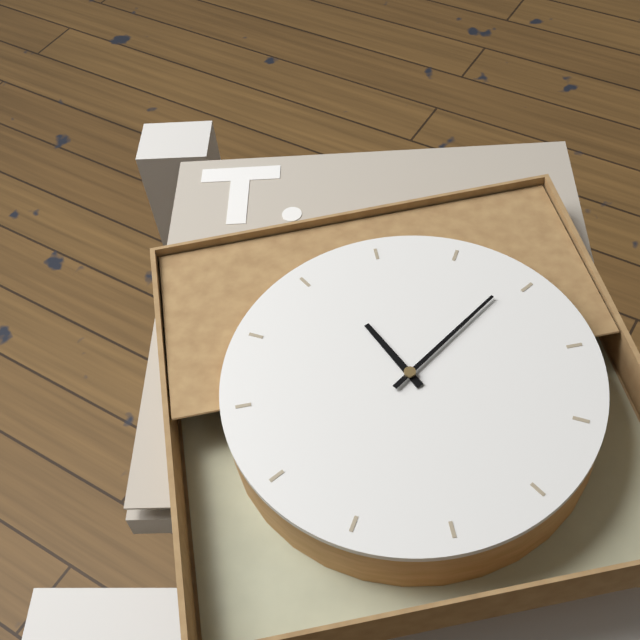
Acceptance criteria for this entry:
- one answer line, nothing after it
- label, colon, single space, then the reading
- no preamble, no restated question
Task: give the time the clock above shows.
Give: 12:14
